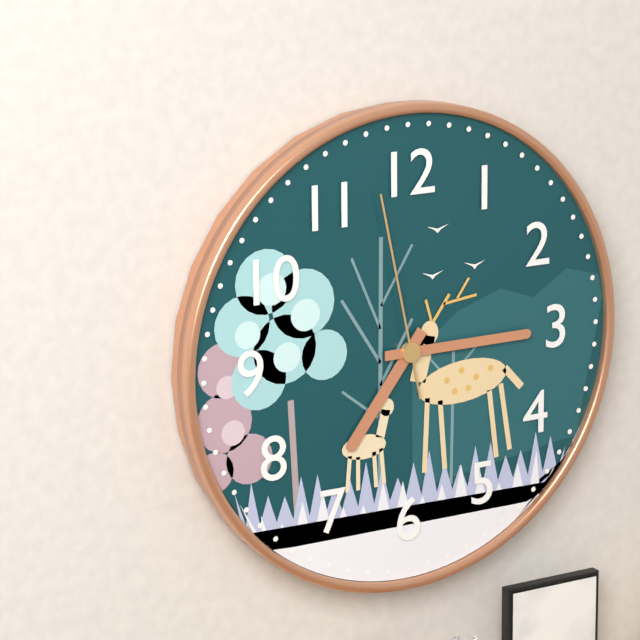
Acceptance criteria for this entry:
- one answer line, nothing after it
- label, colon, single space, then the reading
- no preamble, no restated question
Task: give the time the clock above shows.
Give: 7:15:58
